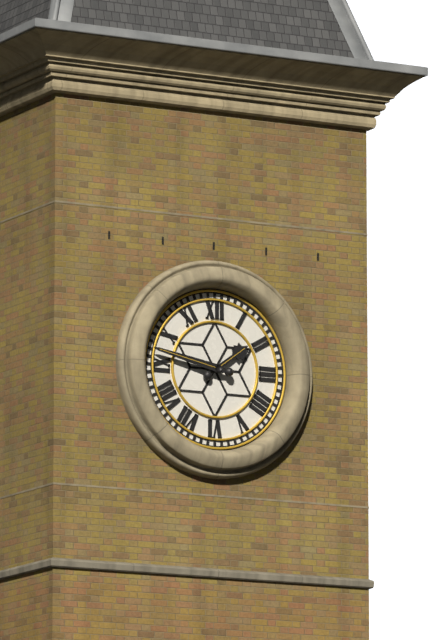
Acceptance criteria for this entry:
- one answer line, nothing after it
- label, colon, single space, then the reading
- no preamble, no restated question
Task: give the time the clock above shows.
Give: 1:47
